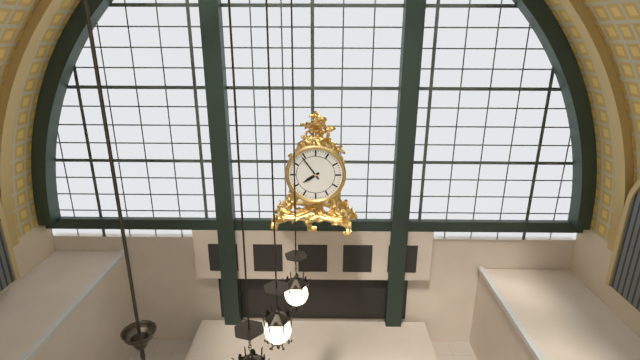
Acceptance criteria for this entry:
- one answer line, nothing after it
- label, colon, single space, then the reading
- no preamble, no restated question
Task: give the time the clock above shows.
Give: 7:54
